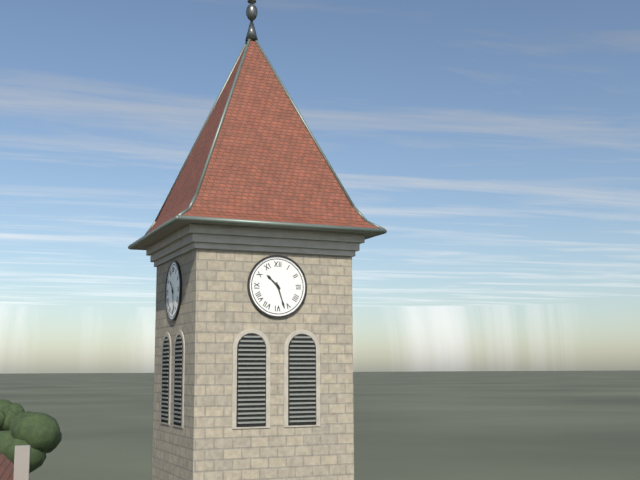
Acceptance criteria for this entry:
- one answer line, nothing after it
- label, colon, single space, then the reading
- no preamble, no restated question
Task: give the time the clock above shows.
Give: 10:27
